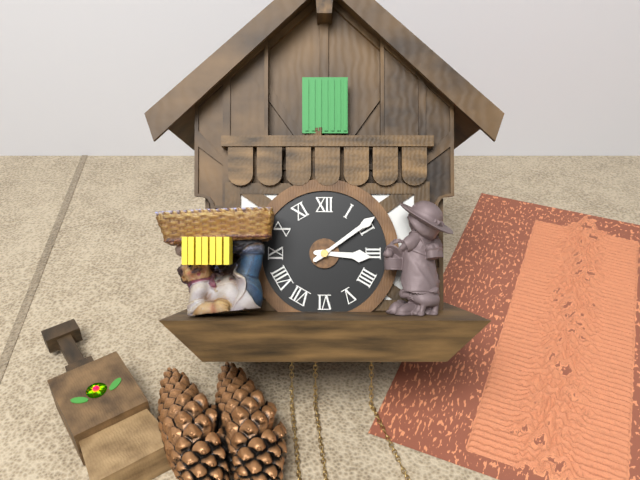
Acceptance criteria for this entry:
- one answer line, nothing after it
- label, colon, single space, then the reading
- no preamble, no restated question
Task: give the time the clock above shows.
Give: 3:09
